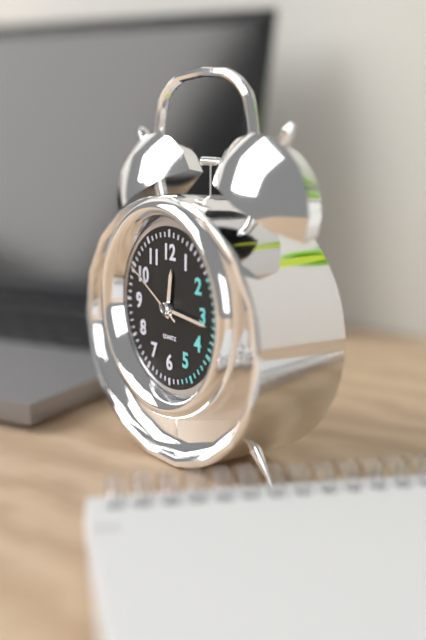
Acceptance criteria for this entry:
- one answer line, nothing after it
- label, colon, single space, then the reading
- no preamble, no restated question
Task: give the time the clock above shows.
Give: 12:16:50
